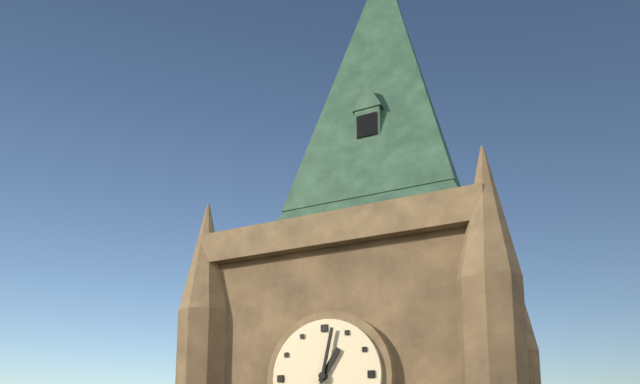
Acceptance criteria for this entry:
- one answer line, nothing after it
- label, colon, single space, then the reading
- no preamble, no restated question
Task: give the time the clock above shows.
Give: 1:02
